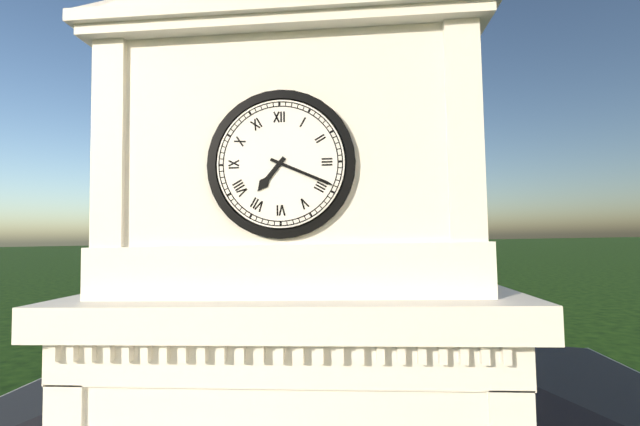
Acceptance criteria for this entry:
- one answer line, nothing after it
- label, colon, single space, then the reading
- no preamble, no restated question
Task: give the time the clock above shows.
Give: 7:19
